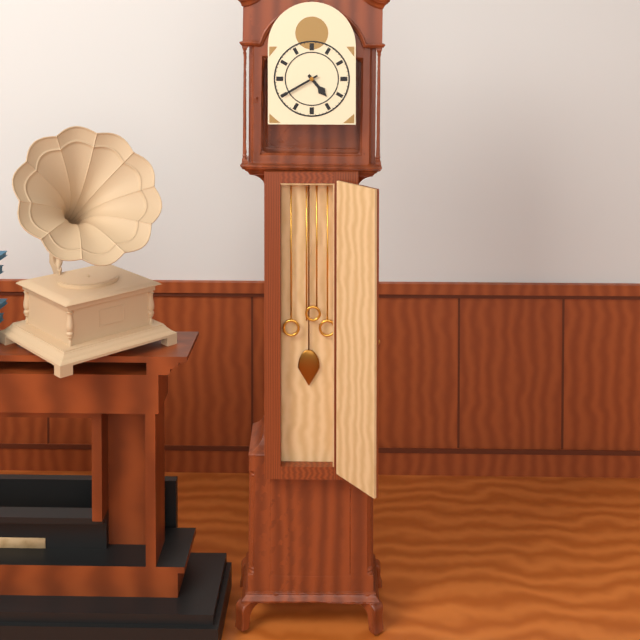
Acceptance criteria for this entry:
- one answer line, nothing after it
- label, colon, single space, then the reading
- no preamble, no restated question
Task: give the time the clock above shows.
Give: 4:40
